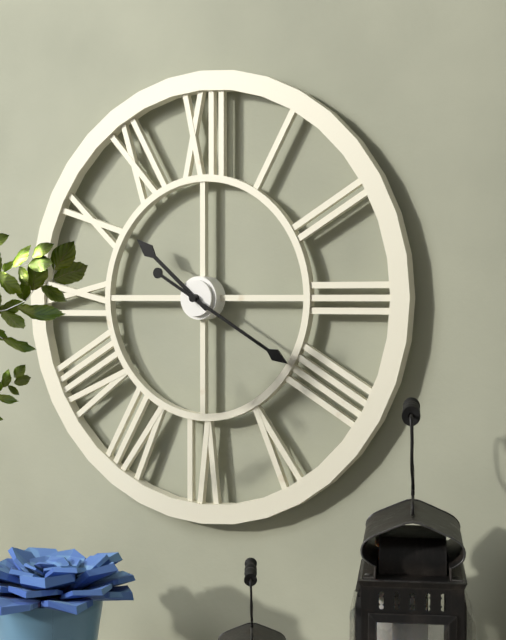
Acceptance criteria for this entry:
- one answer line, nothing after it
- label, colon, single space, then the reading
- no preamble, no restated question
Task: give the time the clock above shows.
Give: 10:20
